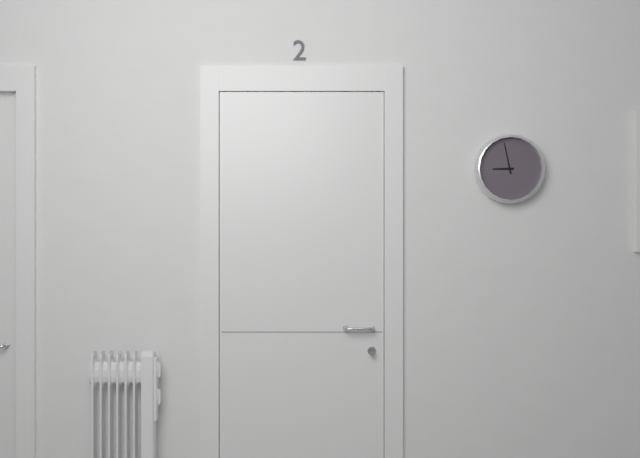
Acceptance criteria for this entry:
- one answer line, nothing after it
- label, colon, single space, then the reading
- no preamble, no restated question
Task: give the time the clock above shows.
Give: 8:58
